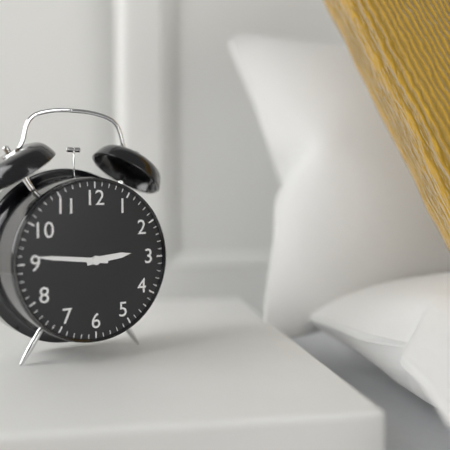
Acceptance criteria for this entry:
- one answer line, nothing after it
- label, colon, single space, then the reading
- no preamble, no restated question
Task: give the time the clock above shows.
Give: 2:46
